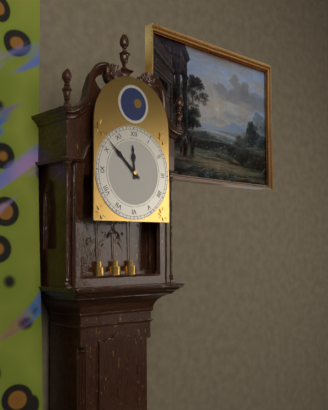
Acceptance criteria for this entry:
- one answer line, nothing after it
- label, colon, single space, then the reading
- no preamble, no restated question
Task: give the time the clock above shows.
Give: 11:52
